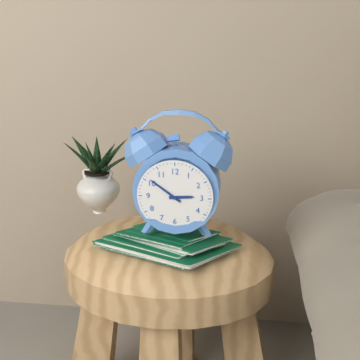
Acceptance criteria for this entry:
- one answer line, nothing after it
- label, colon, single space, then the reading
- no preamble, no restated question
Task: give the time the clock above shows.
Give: 2:51
